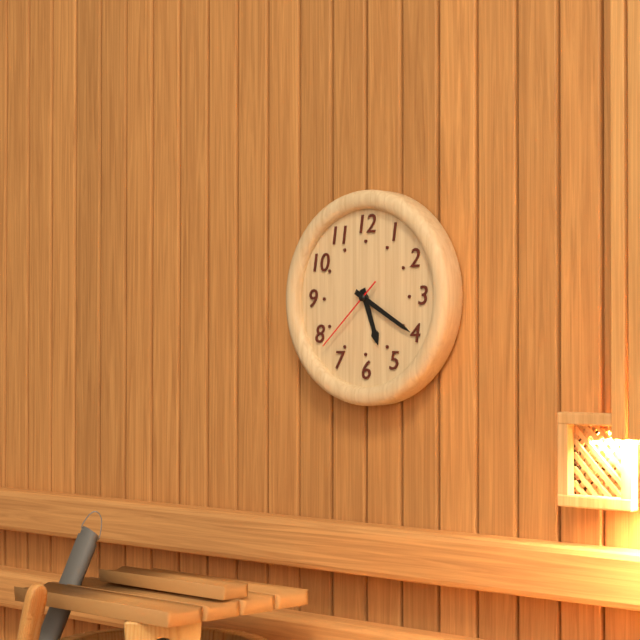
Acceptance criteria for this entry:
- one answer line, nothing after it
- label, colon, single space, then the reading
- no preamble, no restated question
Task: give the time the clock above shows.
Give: 5:20:38
